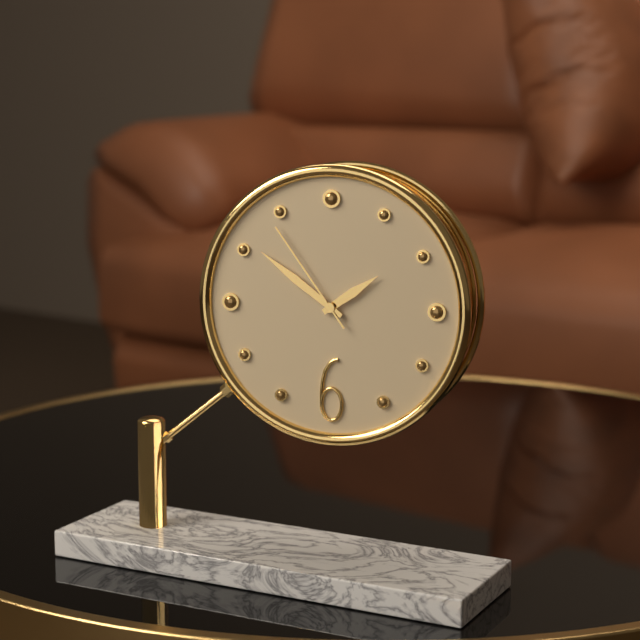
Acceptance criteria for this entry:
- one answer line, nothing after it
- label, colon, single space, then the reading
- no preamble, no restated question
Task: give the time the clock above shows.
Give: 1:51:54
